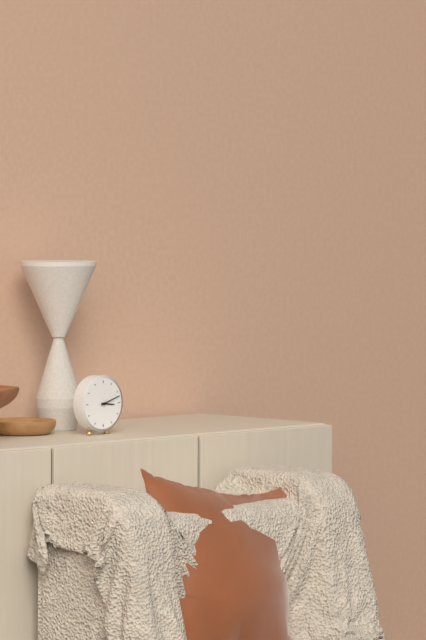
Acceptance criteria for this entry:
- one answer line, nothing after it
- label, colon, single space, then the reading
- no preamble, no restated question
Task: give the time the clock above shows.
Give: 3:12
